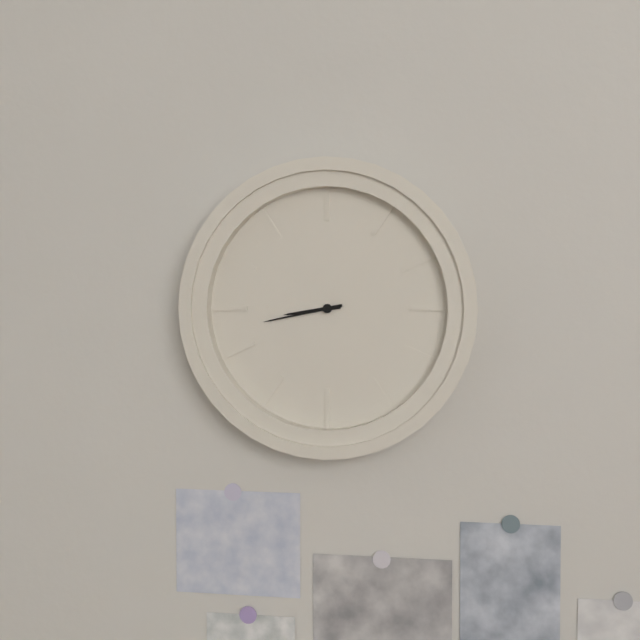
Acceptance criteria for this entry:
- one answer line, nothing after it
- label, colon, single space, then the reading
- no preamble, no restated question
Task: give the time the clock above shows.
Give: 8:43
